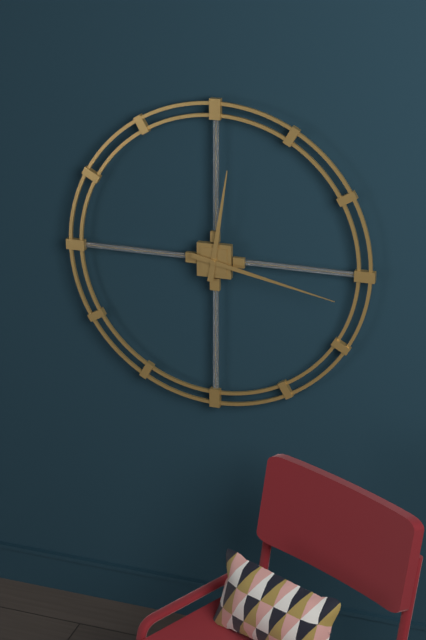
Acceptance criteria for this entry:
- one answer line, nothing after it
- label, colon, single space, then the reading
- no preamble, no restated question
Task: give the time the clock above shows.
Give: 12:17
